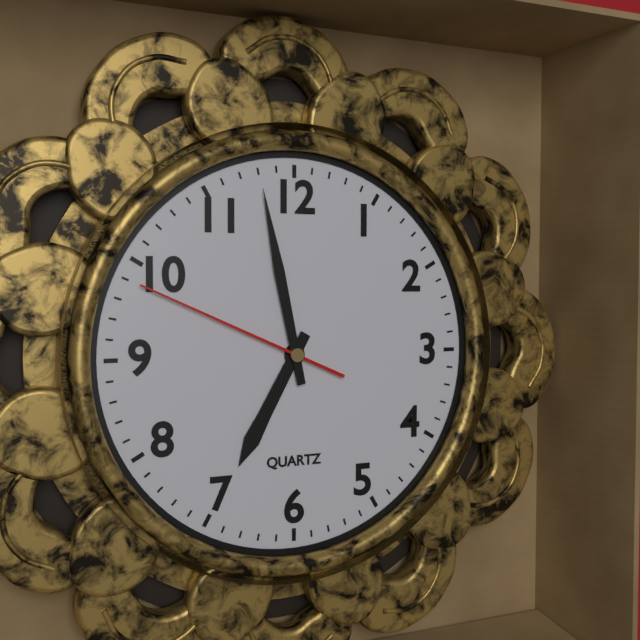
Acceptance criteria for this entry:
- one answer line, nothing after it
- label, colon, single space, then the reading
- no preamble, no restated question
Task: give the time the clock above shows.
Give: 6:58:49
